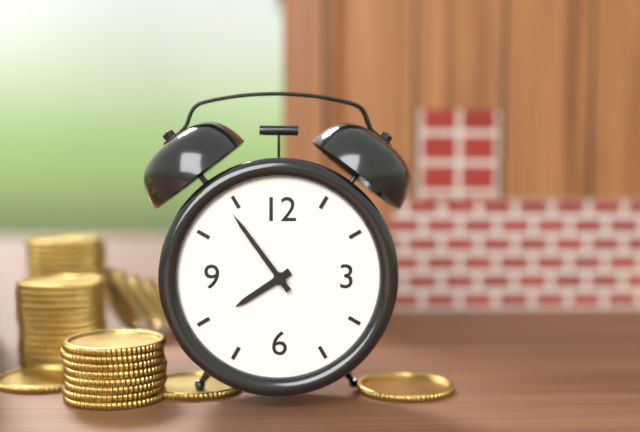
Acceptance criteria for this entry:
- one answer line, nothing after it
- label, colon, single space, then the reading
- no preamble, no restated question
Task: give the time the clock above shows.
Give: 7:54
